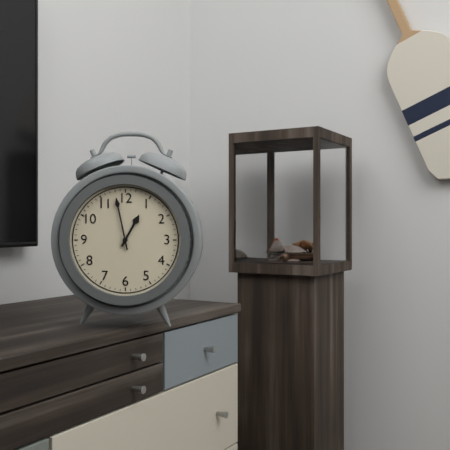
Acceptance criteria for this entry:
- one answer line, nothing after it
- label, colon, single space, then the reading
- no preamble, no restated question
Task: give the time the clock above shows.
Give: 12:58
